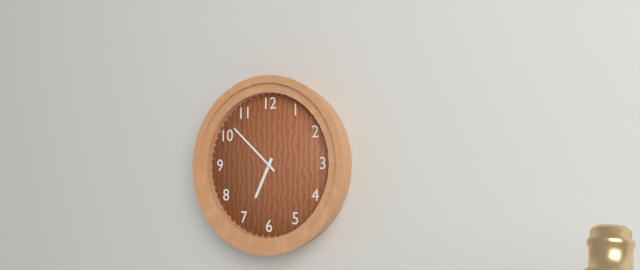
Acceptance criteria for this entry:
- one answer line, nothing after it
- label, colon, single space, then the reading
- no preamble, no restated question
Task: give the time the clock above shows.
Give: 6:52
